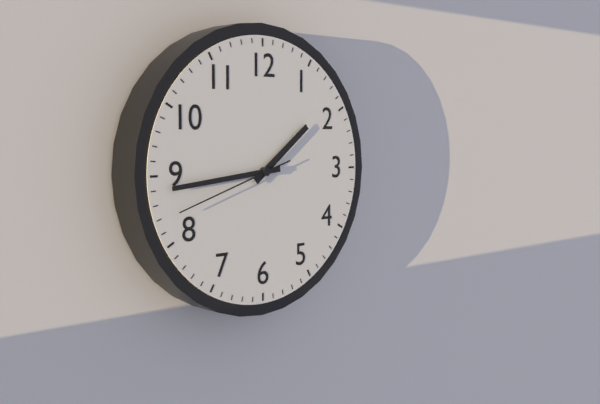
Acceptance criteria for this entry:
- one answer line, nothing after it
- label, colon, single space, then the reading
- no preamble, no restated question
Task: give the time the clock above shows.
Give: 1:44:42
